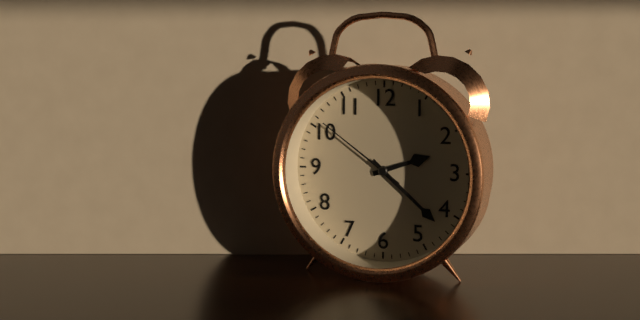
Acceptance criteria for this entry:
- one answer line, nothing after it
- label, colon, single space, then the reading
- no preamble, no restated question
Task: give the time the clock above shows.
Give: 2:22:51
